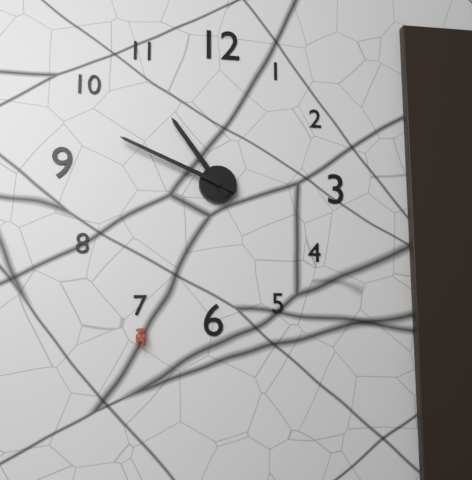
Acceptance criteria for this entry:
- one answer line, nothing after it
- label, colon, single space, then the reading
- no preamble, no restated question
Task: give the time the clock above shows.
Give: 10:49
